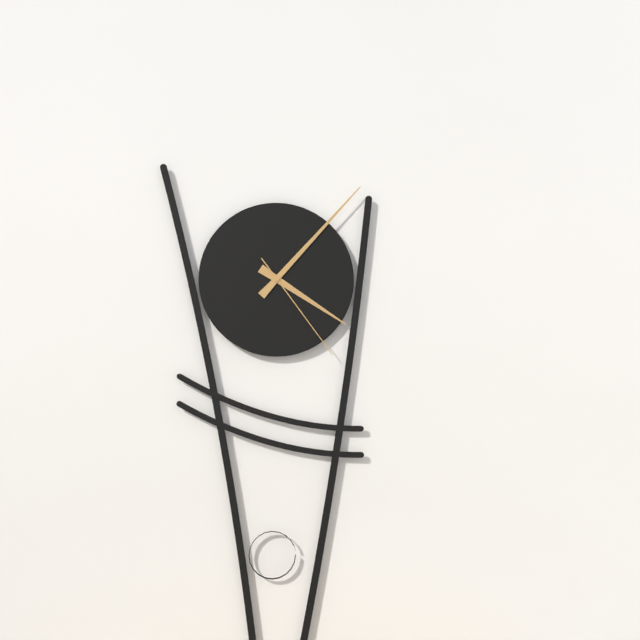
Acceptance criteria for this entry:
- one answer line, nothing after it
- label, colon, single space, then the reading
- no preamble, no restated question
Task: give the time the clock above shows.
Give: 4:07:24
